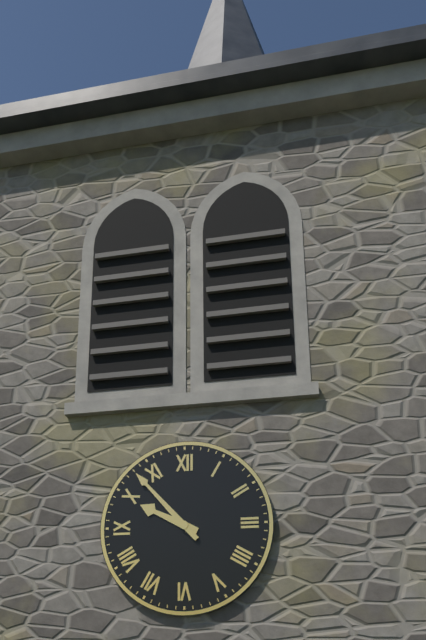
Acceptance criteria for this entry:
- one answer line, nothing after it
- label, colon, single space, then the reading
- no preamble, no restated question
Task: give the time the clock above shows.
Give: 9:53
